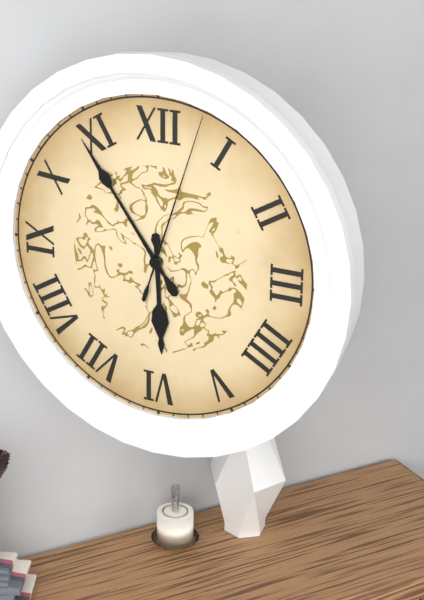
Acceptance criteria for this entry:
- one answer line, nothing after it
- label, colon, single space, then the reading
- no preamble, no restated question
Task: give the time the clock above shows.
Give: 5:54:03
